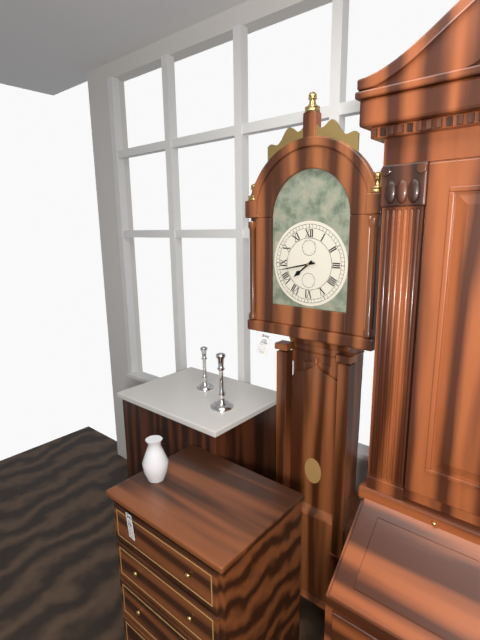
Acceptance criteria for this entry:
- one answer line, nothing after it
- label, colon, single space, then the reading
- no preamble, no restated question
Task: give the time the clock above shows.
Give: 7:43
